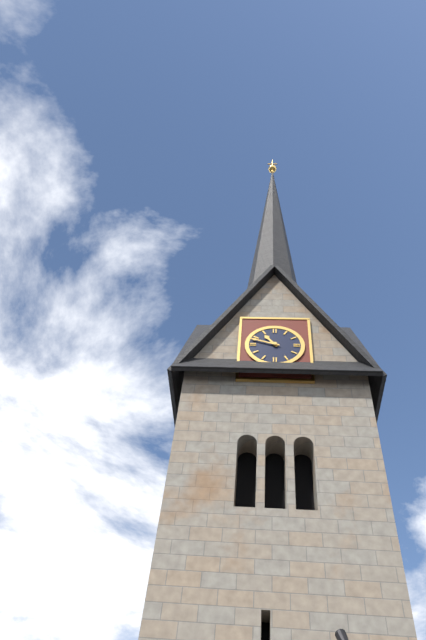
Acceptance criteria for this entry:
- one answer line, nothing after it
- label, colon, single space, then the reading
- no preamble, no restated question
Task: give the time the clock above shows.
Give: 10:48
